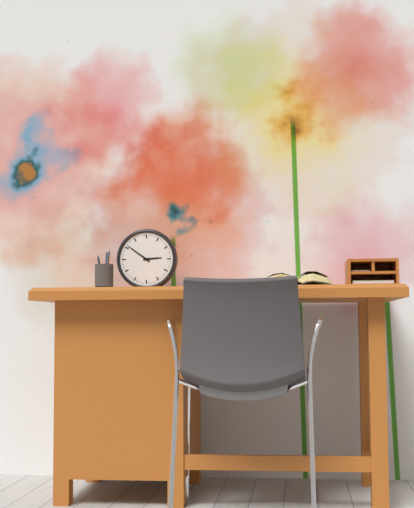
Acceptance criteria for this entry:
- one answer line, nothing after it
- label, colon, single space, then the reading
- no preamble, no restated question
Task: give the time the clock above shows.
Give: 2:51
